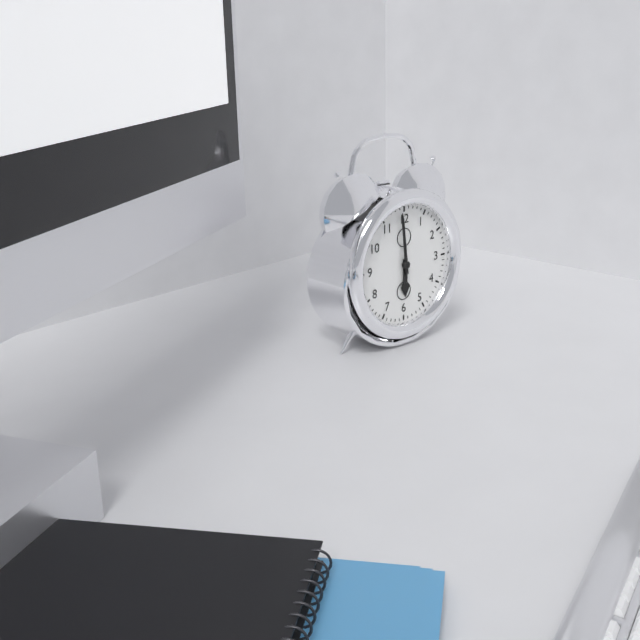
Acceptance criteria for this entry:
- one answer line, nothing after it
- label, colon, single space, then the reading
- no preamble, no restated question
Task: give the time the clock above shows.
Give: 5:59
